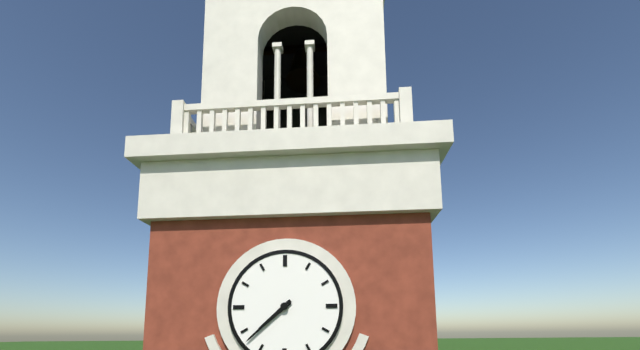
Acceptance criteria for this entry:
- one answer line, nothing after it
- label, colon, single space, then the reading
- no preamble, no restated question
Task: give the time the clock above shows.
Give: 7:38
